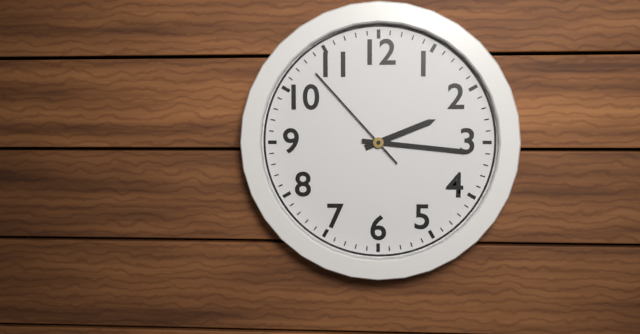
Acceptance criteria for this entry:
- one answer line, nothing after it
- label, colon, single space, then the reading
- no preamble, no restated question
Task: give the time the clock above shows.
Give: 2:16:53
